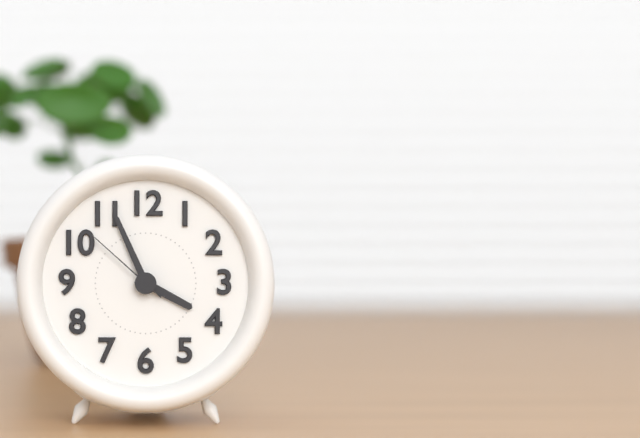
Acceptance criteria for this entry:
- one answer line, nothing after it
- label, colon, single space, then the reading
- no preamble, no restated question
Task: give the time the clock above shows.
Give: 3:56:52
